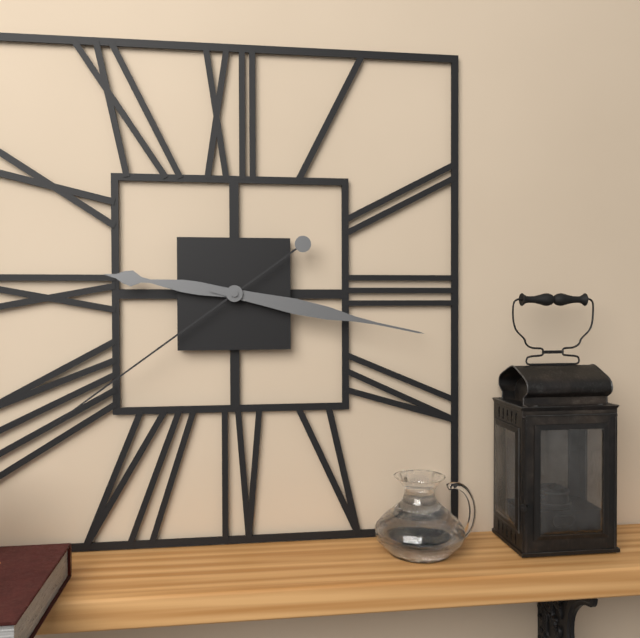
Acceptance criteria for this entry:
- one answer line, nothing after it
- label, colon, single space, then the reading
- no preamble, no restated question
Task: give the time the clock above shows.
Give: 9:17:39
